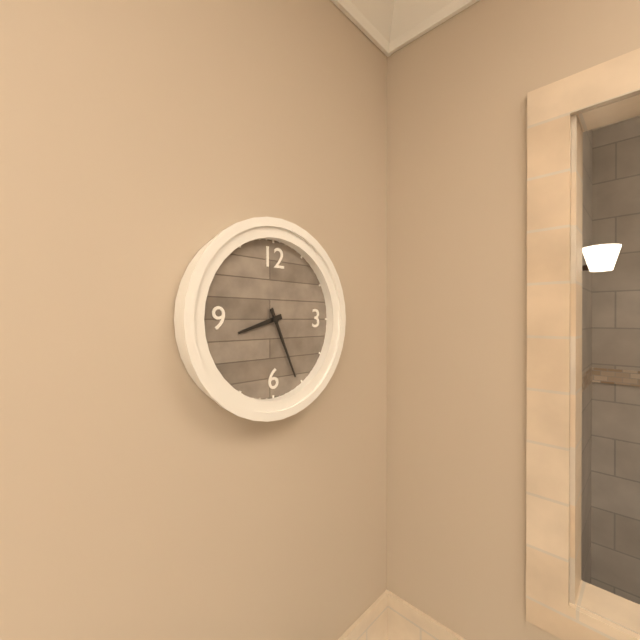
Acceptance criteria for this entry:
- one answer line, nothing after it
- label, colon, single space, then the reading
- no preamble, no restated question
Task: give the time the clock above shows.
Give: 8:26
